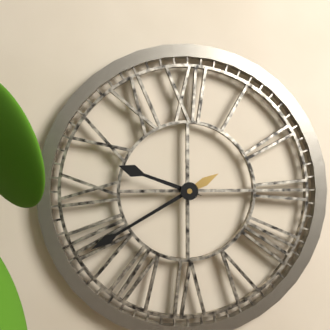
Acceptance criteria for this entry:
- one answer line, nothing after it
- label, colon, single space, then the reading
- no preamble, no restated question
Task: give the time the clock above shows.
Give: 9:40
